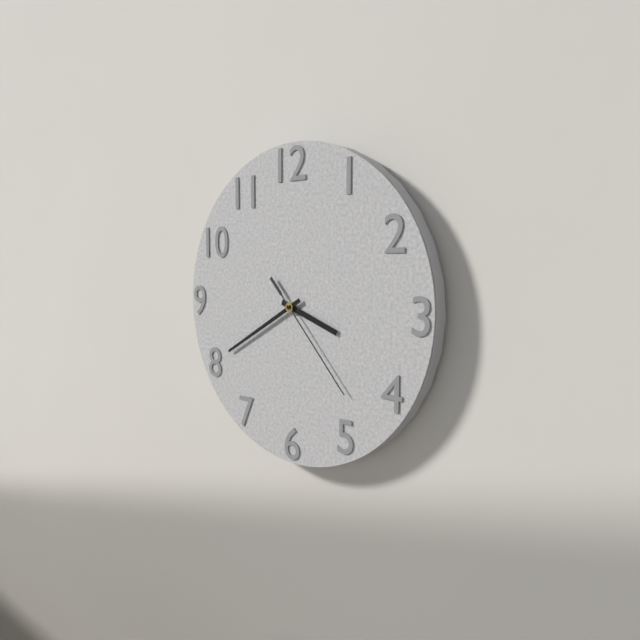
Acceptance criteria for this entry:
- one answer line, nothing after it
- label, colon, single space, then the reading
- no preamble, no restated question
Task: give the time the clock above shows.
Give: 3:40:23
